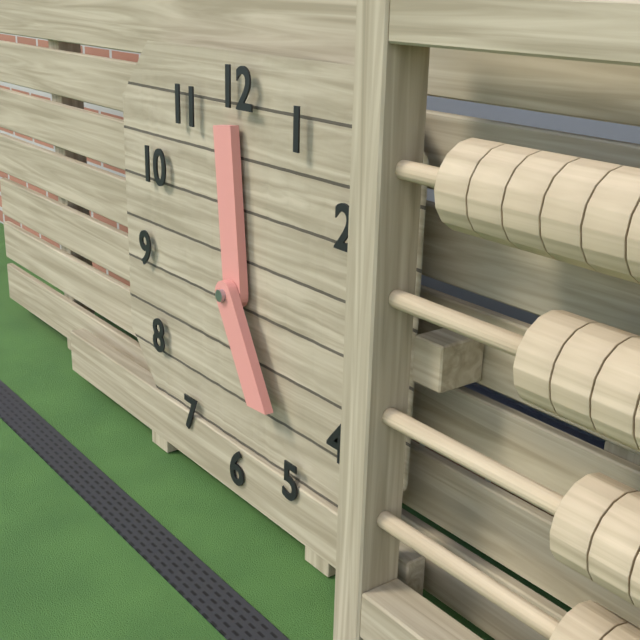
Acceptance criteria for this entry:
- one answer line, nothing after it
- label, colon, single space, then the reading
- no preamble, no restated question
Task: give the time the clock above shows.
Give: 4:59
